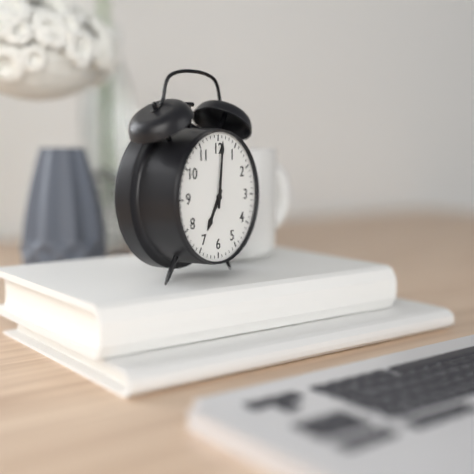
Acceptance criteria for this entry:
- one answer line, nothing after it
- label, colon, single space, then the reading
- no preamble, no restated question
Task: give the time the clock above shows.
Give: 7:01
